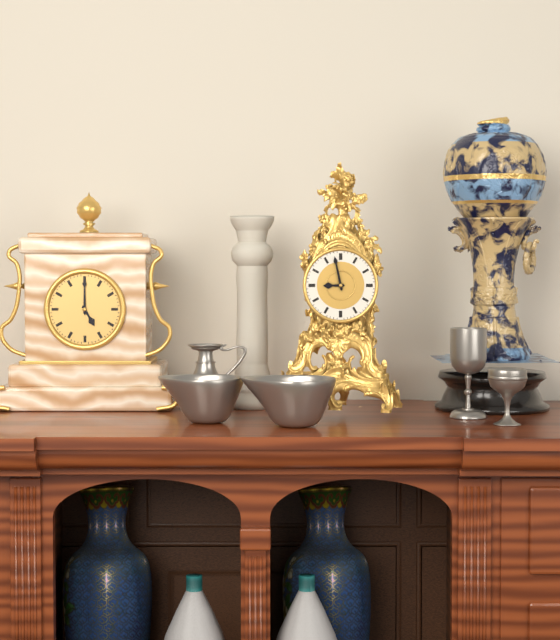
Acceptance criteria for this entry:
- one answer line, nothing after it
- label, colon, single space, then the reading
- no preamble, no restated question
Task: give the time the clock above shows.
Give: 8:58
